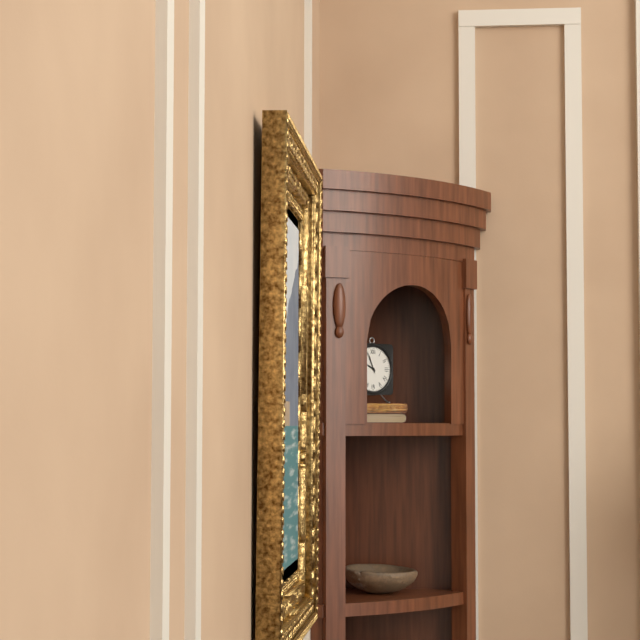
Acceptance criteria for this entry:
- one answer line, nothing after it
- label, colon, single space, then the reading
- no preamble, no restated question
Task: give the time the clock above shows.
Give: 9:56
